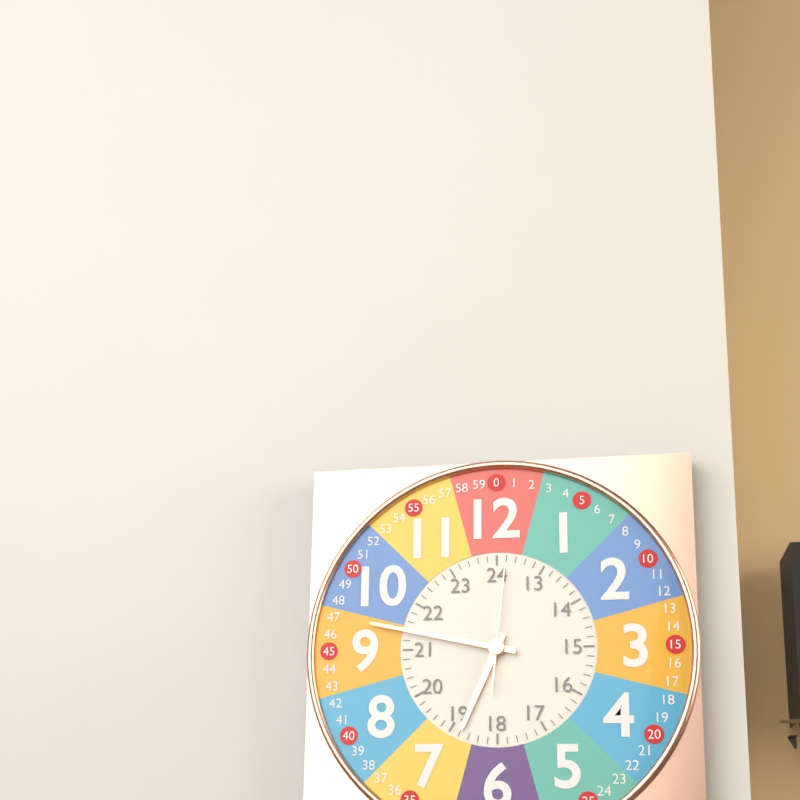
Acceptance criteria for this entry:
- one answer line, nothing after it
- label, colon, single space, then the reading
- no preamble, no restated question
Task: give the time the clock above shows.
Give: 6:47:01
